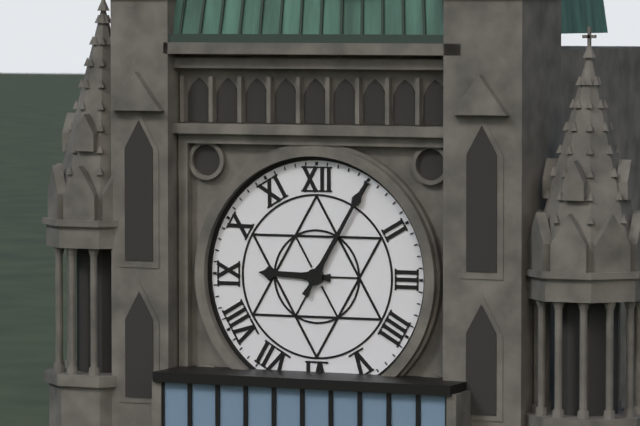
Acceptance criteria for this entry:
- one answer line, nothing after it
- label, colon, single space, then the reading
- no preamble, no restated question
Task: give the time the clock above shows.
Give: 9:05
